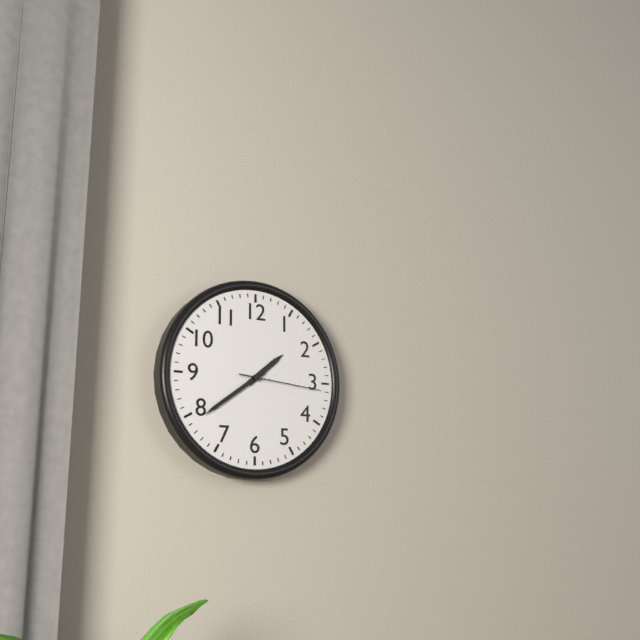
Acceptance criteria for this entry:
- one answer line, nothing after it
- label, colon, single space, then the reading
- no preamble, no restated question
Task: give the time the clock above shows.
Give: 1:39:16
